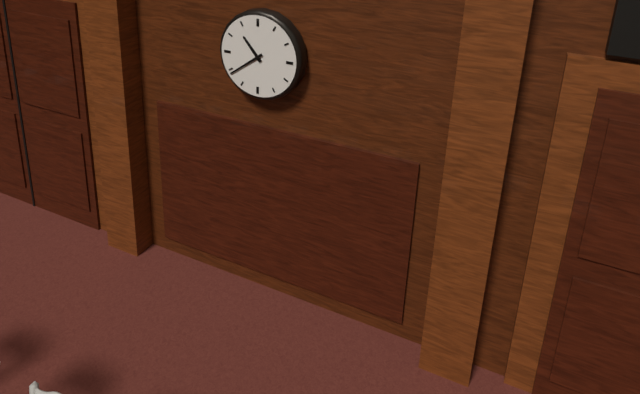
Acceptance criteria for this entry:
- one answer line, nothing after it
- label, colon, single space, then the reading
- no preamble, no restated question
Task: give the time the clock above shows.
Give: 10:39
